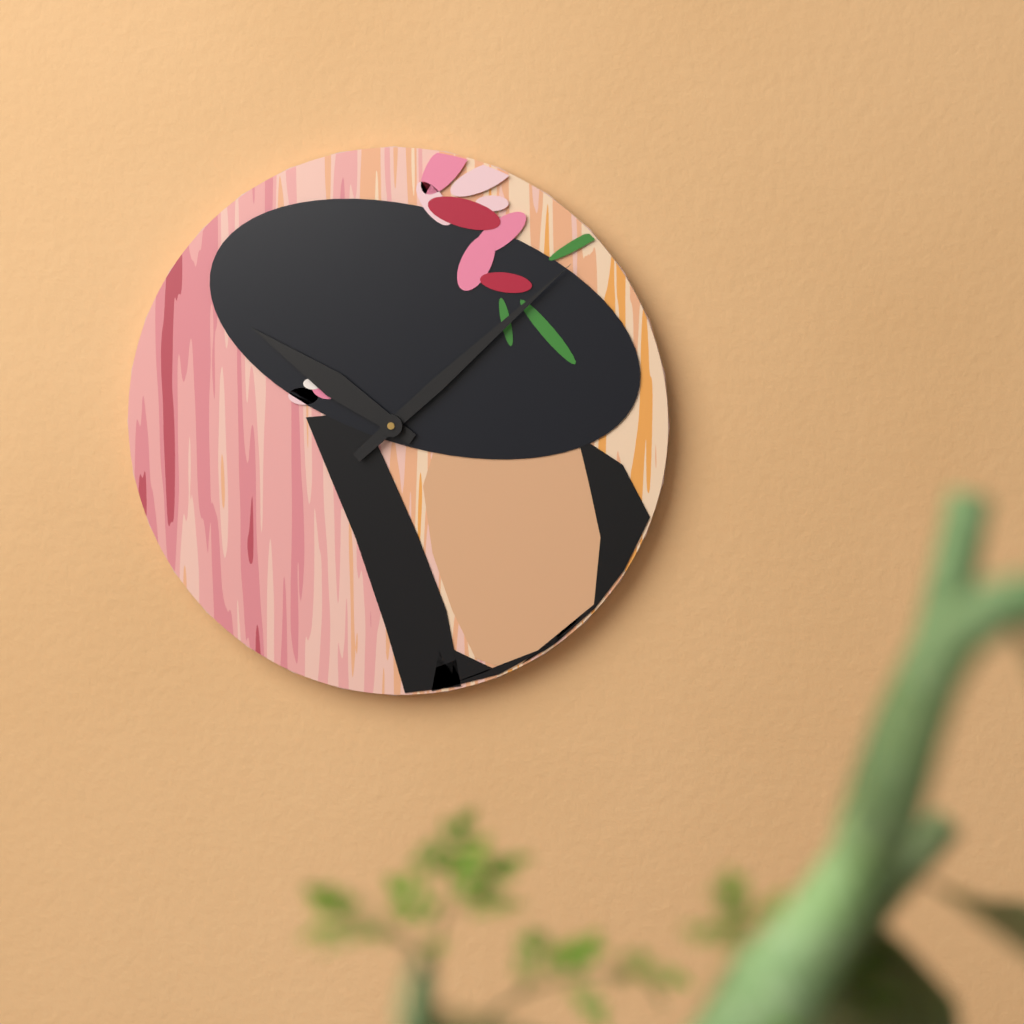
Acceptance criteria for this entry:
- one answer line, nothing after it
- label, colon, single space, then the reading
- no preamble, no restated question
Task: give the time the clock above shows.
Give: 10:08
